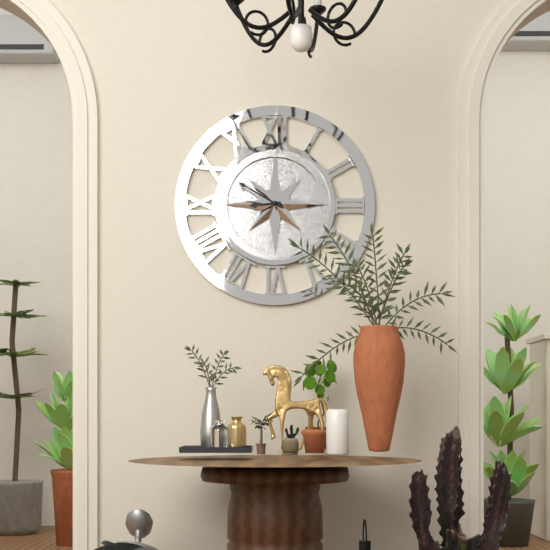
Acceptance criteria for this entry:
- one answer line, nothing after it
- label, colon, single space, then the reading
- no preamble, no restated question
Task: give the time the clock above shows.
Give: 8:50
